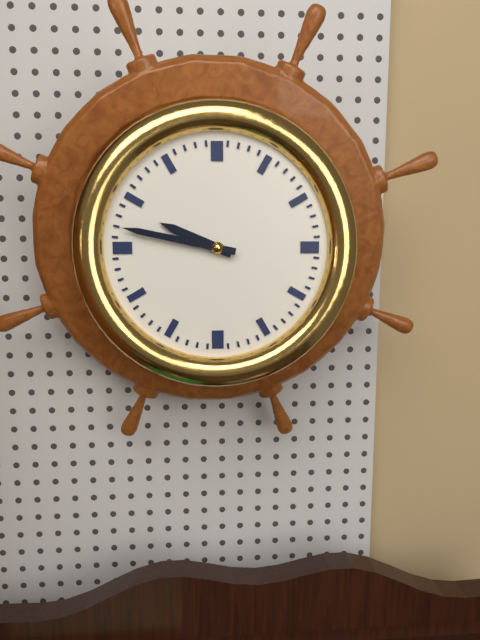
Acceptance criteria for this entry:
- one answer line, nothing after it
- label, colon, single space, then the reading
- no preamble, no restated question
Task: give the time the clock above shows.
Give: 9:47
